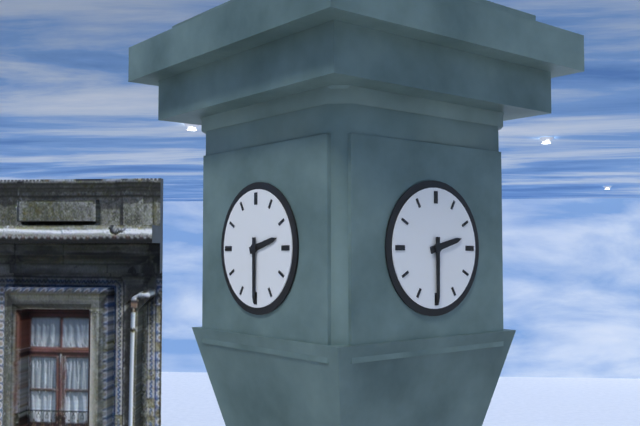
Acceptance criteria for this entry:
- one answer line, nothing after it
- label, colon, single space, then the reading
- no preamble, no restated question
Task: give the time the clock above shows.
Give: 2:30
